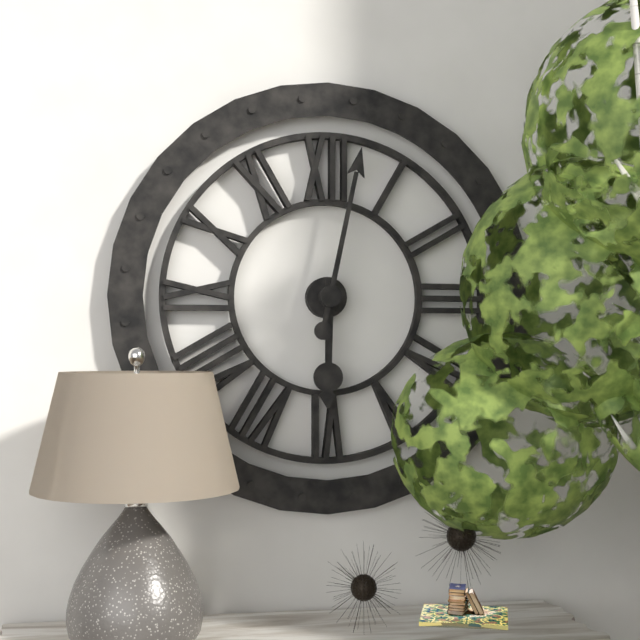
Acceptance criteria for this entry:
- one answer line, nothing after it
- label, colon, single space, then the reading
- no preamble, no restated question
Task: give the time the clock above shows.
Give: 6:02
